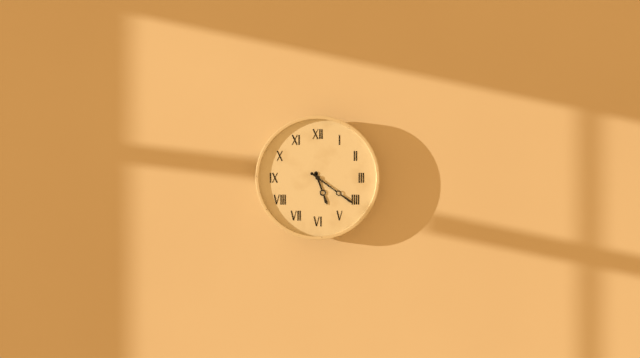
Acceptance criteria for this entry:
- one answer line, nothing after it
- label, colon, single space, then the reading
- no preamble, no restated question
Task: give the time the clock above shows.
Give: 5:21
